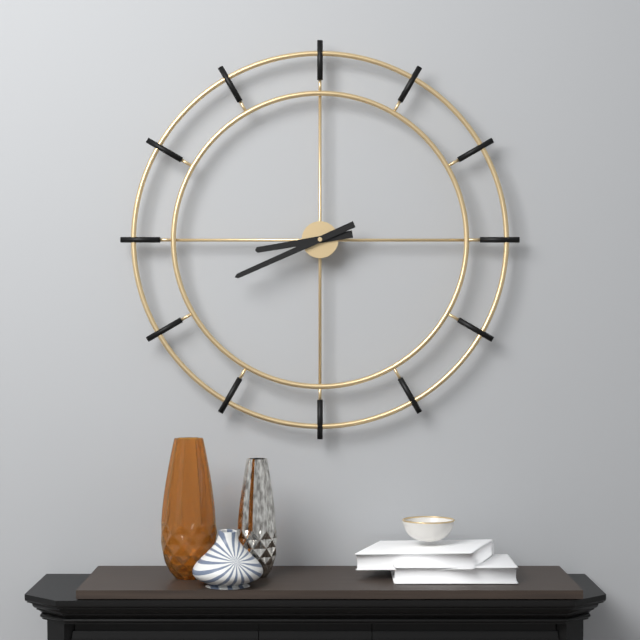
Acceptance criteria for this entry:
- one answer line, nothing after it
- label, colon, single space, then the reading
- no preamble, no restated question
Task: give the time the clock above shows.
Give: 8:41
